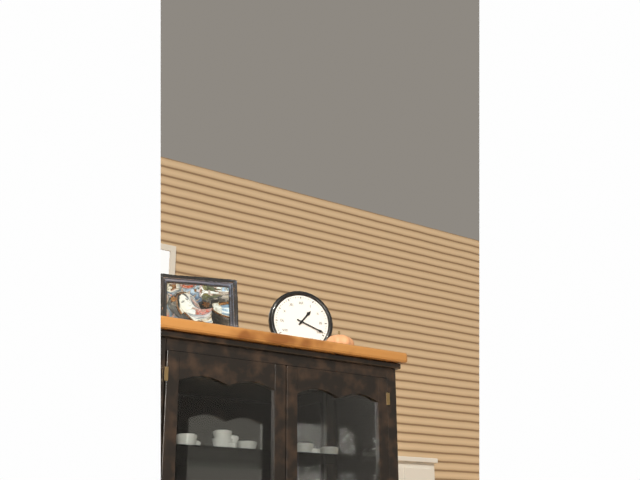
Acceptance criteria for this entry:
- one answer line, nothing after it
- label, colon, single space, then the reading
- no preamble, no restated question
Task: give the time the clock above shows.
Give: 1:19
